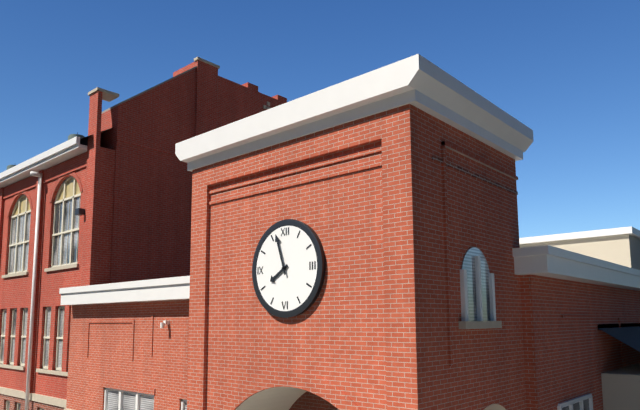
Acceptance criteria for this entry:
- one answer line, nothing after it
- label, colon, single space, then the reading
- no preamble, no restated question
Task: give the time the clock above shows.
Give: 7:57
